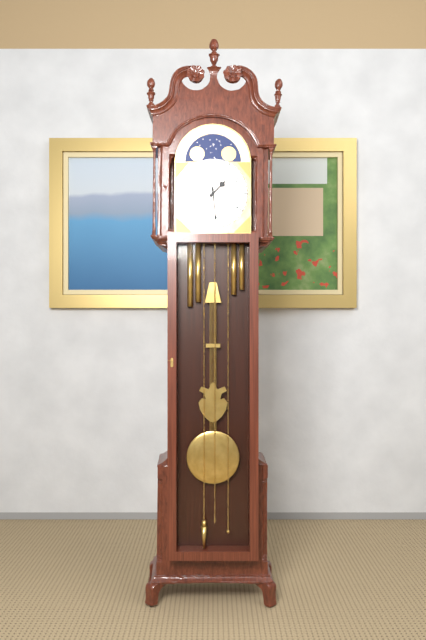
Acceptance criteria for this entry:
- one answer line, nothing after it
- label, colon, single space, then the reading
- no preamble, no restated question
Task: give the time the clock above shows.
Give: 1:29
